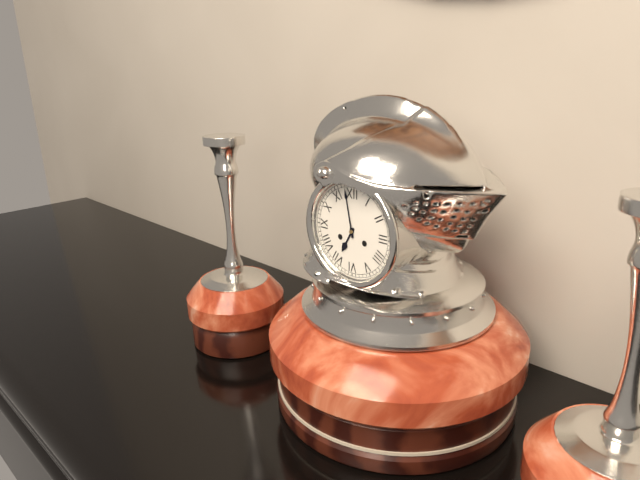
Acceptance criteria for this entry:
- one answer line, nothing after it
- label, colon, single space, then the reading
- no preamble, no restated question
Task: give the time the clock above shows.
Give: 6:58
